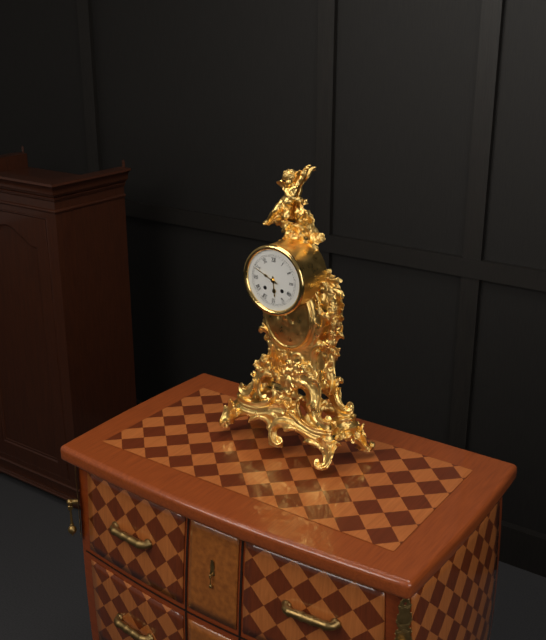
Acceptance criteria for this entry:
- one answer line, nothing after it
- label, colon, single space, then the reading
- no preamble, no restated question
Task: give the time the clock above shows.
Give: 5:49
